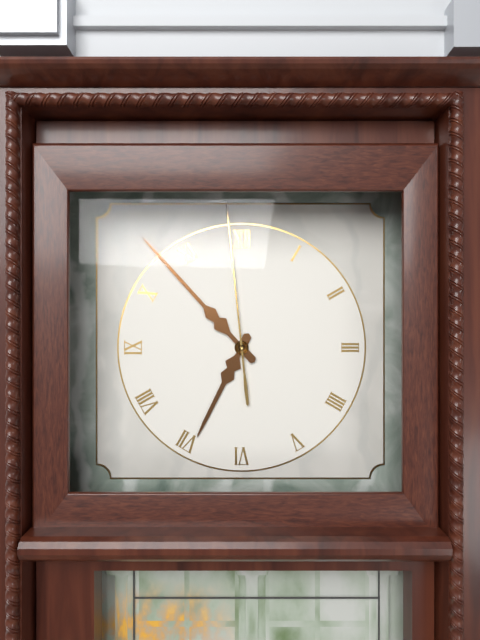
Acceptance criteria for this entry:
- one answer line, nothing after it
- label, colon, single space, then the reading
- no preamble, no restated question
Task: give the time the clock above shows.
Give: 6:53:59
